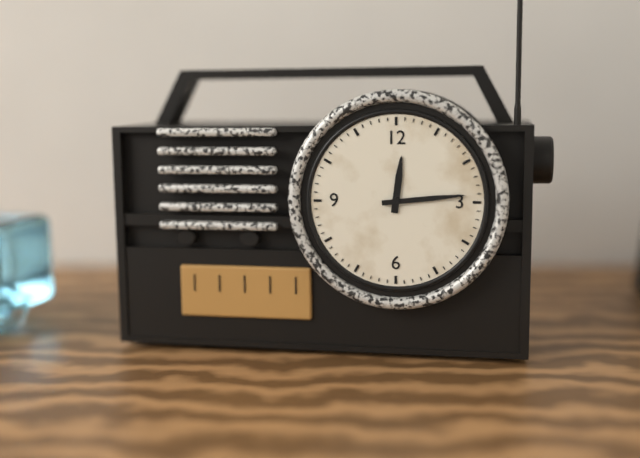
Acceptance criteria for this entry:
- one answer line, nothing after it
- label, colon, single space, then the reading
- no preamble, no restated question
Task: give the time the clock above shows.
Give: 12:14
